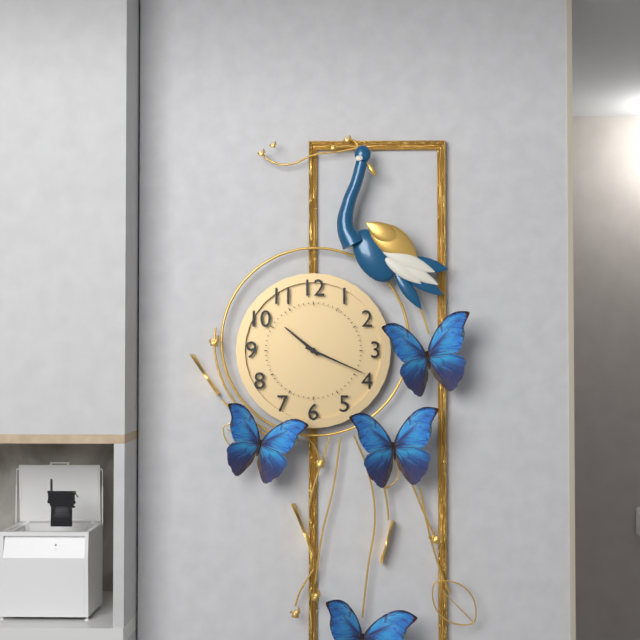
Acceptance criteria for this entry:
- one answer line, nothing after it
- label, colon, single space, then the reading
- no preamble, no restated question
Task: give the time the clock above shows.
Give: 10:19
